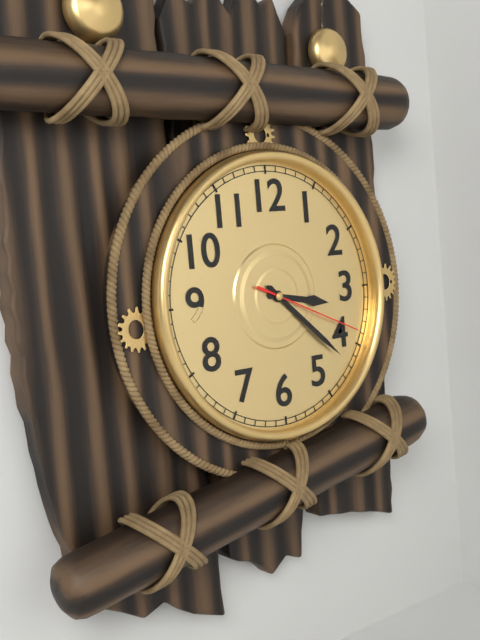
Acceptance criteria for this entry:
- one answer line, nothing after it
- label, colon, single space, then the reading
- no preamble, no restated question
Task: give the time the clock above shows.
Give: 3:22:19
